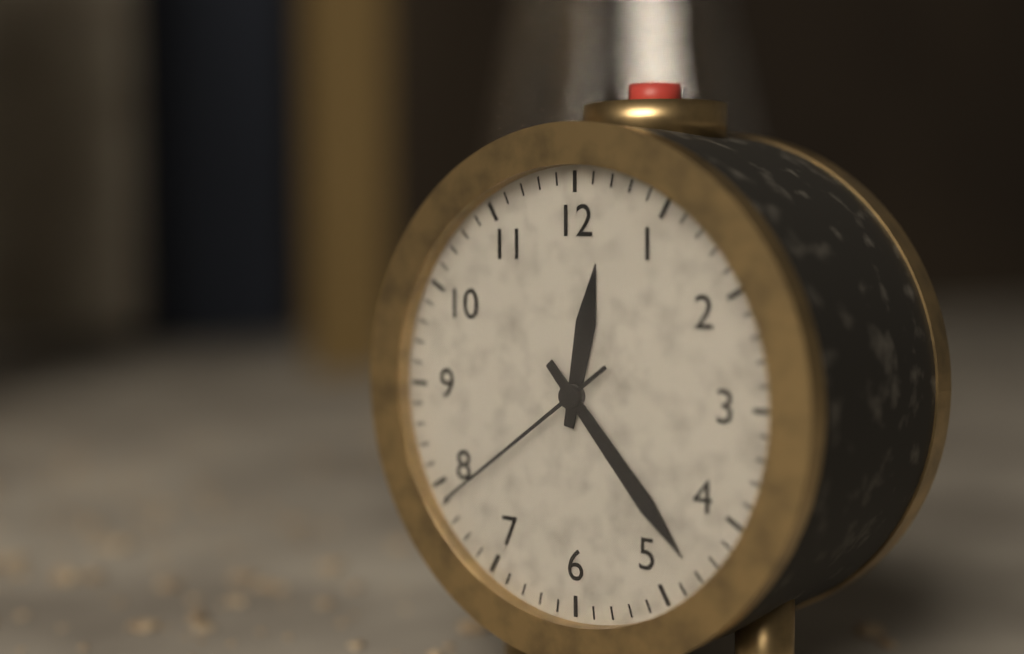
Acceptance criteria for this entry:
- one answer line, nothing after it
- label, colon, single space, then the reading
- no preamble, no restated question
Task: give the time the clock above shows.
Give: 12:23:39
